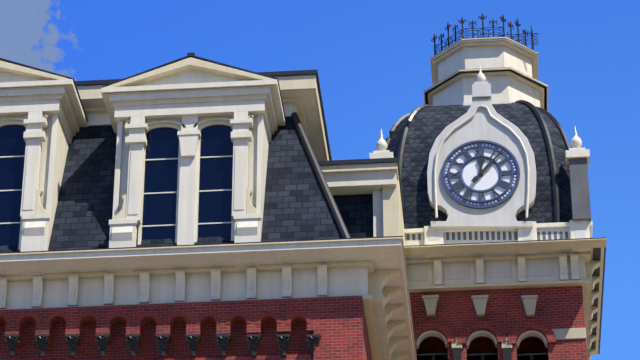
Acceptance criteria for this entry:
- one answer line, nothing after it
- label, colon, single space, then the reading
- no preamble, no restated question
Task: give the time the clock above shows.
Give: 12:07
